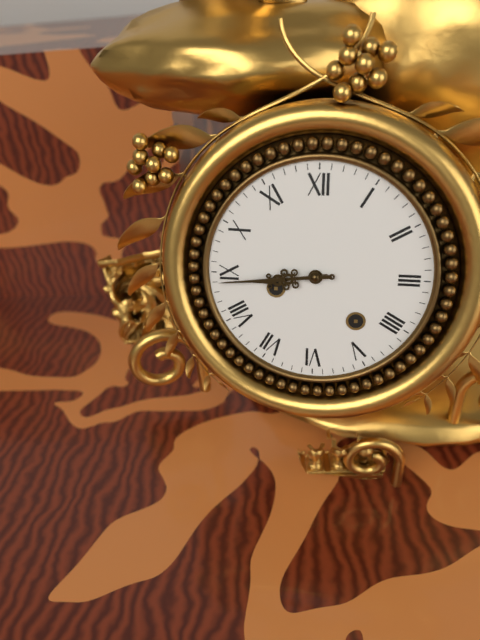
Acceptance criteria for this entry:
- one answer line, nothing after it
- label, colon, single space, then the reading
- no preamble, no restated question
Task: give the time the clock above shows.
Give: 8:44
